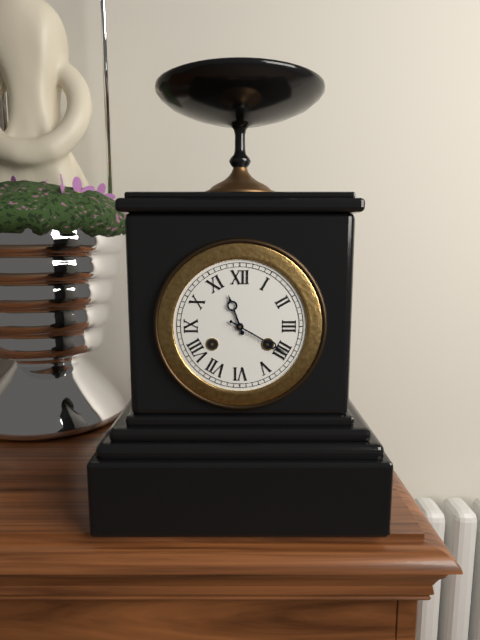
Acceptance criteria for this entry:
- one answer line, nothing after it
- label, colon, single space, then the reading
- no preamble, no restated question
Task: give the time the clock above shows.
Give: 11:20
